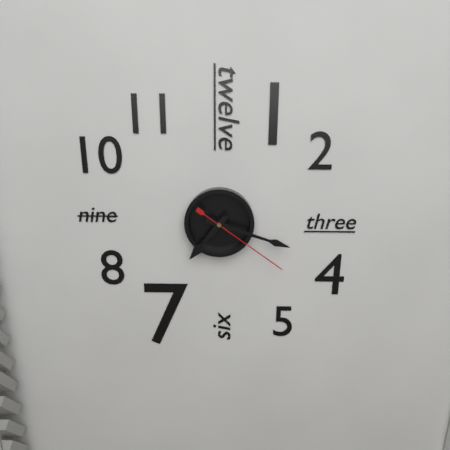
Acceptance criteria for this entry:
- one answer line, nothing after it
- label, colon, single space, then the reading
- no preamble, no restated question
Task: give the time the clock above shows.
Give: 7:18:21
